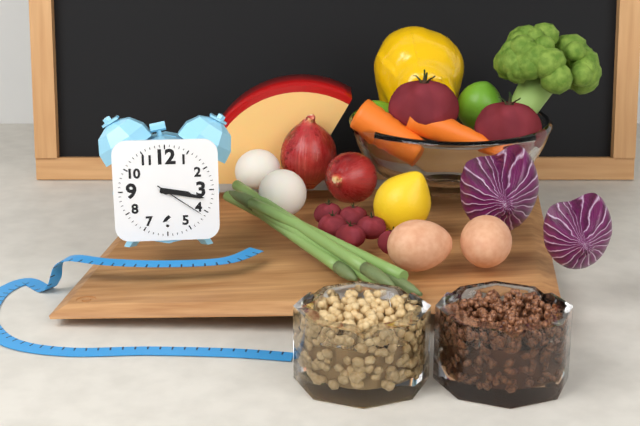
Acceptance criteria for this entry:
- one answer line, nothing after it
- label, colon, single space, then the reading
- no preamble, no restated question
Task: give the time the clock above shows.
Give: 3:17:21
